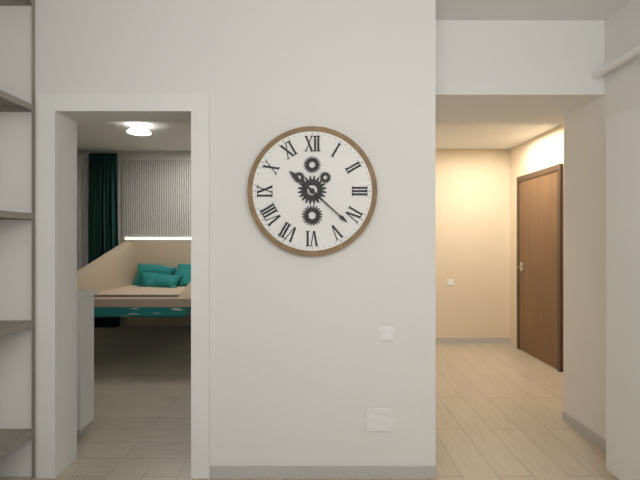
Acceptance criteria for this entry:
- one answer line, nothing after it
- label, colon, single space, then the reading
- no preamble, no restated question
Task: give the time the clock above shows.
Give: 10:22
